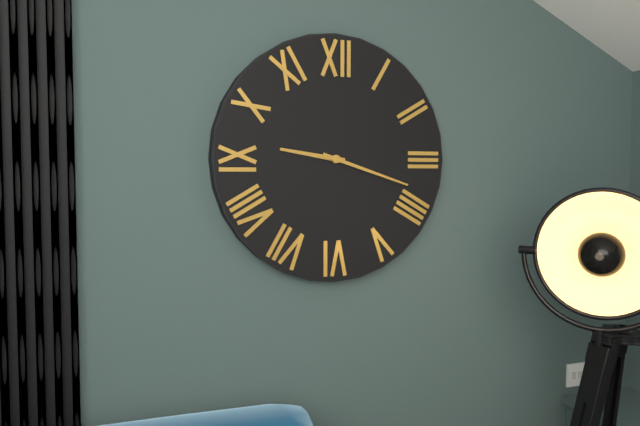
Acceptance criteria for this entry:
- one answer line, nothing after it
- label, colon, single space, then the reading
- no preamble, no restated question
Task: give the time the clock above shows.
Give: 9:18
